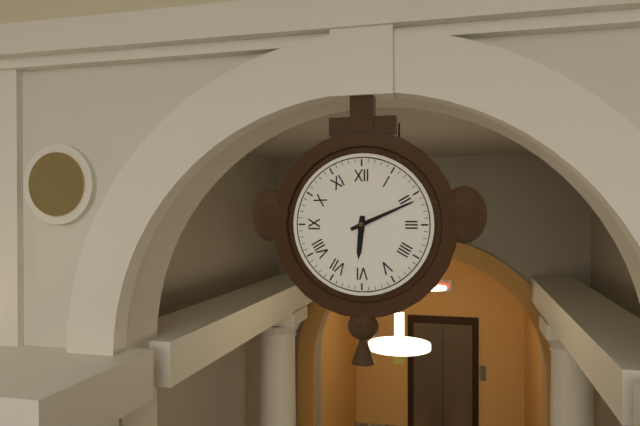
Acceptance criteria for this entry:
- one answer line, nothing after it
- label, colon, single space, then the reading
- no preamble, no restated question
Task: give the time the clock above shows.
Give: 6:11
